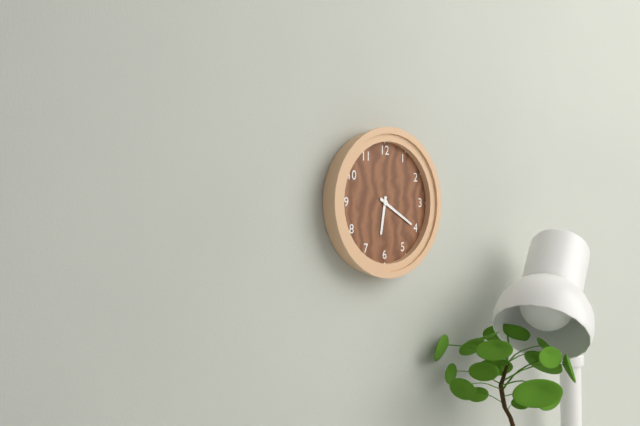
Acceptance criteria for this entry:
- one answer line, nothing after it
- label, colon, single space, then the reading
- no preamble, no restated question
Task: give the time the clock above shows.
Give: 6:20
